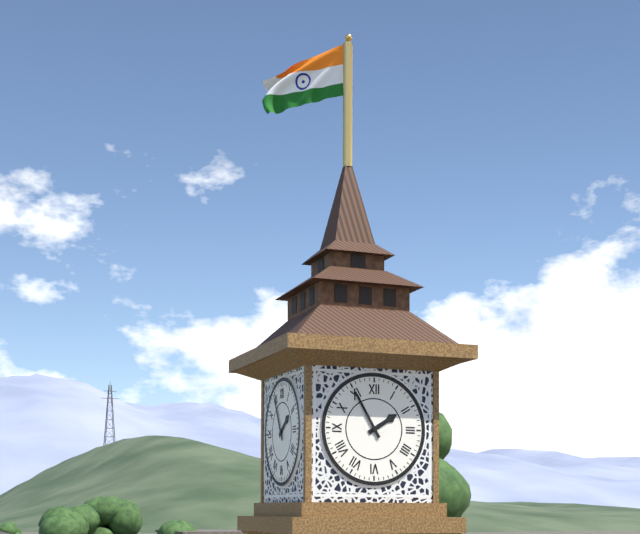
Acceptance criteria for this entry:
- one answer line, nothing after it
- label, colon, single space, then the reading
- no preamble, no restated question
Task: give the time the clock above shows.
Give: 1:55
